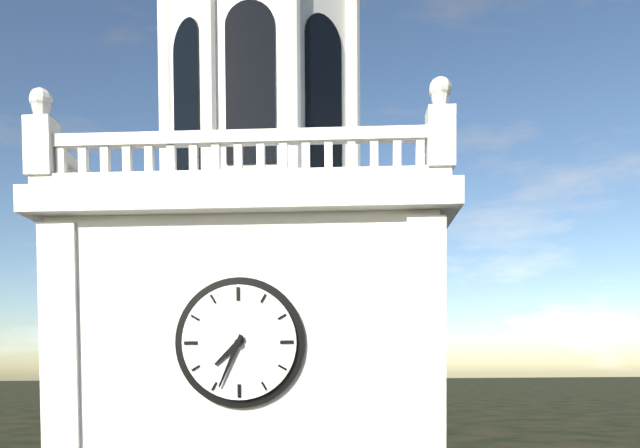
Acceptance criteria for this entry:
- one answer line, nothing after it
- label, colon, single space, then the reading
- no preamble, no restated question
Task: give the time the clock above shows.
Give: 7:34
